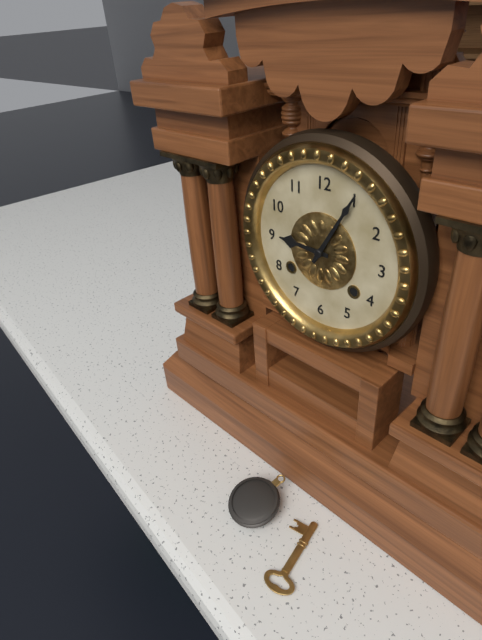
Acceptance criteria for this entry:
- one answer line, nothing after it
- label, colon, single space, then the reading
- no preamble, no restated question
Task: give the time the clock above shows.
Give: 9:05
